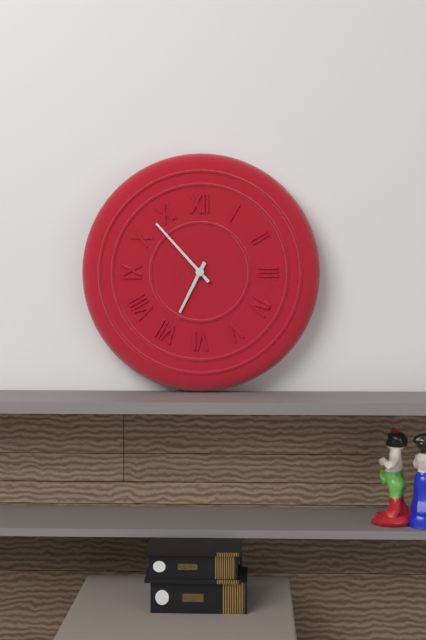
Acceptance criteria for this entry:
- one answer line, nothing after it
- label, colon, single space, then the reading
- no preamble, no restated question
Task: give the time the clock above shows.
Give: 6:53
